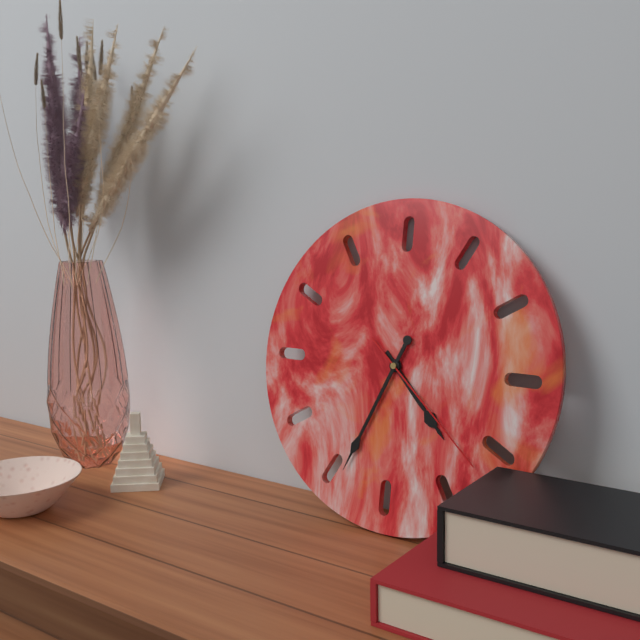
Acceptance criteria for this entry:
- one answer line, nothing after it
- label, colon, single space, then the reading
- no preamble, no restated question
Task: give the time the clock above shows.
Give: 4:34:22
